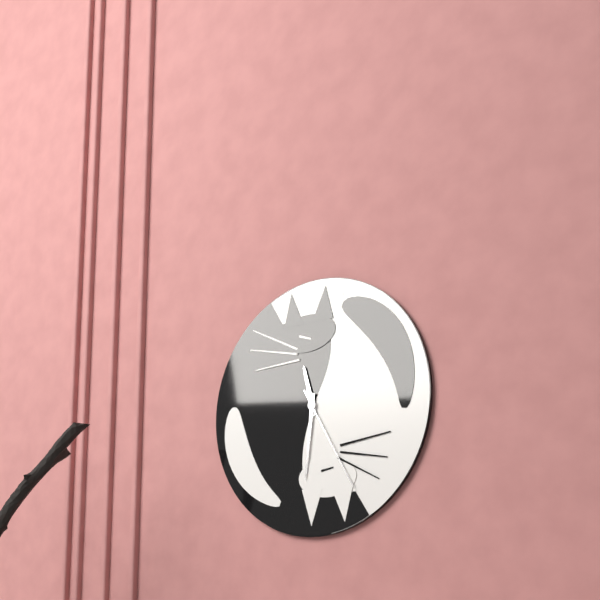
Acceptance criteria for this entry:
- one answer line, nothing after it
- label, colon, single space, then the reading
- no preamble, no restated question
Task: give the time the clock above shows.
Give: 11:31:25
